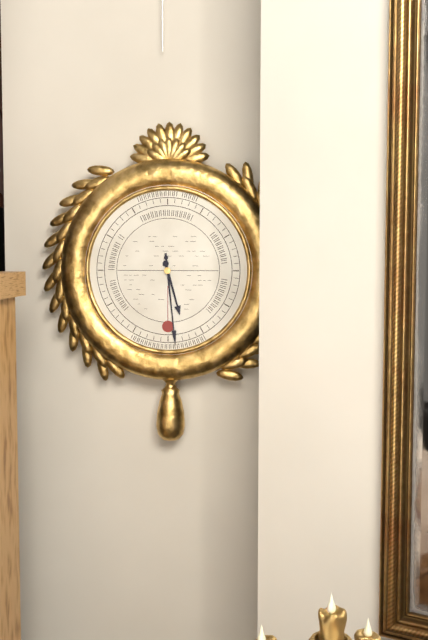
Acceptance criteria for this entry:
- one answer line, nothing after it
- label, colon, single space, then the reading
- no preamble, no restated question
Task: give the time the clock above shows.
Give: 5:29
